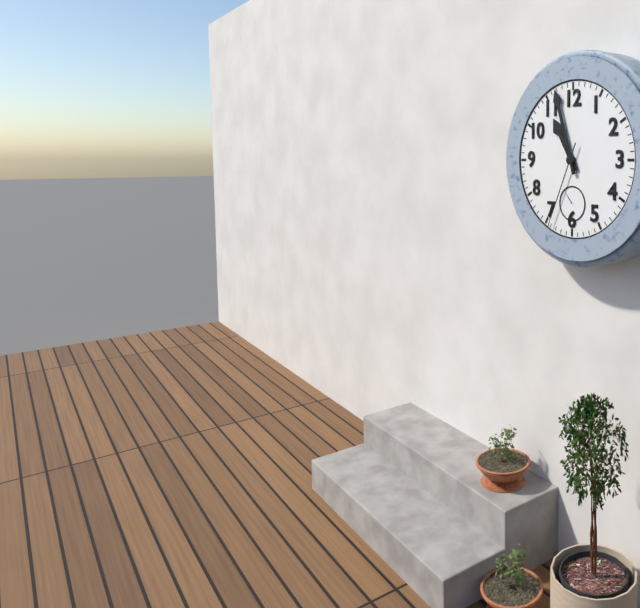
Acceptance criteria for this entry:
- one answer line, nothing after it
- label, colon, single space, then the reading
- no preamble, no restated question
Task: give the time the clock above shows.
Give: 10:57:34
